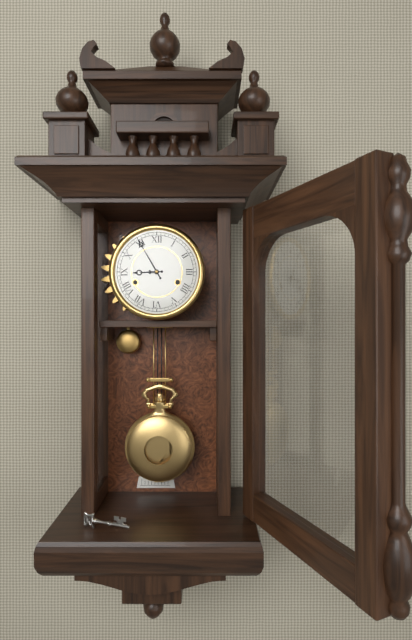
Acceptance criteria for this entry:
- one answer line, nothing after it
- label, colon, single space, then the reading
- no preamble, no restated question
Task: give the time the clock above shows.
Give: 8:55
